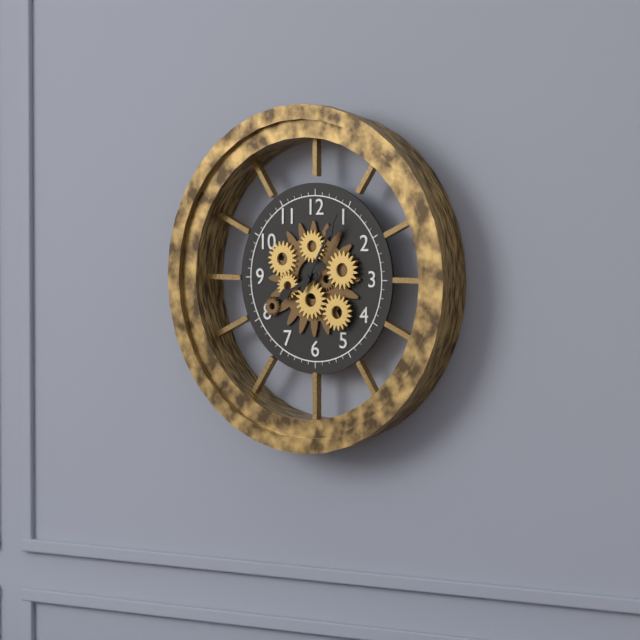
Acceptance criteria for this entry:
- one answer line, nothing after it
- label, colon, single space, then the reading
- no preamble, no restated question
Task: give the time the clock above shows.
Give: 8:05
